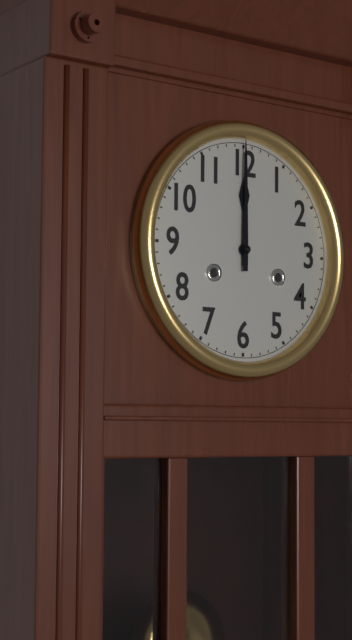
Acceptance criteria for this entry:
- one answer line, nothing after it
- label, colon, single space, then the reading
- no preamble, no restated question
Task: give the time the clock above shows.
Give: 12:00
